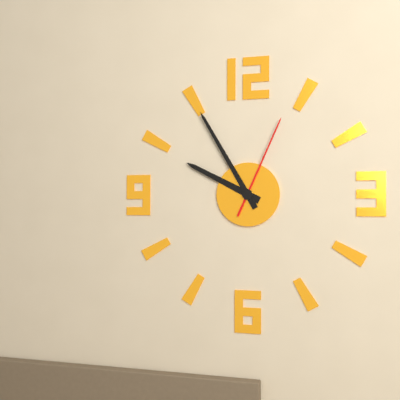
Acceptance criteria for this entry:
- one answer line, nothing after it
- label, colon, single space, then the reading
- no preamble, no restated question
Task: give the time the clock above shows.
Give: 9:55:04
